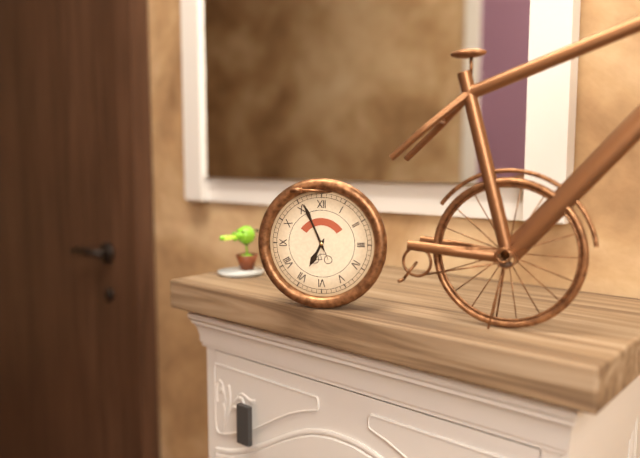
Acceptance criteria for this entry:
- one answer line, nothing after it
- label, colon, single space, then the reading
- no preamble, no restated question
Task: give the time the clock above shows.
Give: 6:56
